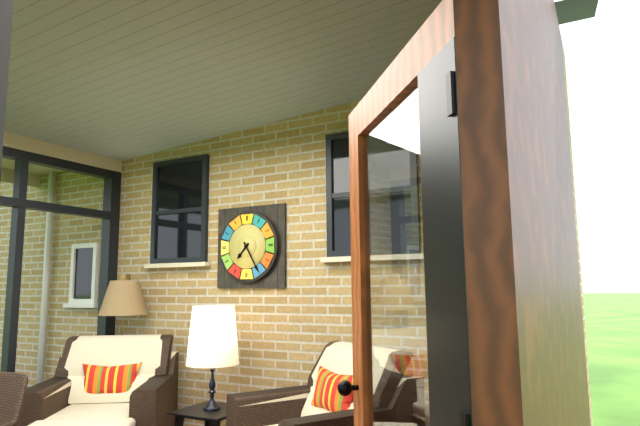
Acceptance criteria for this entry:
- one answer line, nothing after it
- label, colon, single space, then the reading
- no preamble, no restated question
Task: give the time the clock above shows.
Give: 7:25
